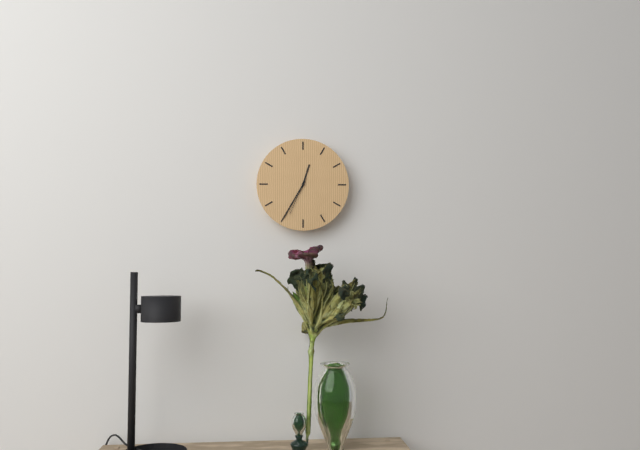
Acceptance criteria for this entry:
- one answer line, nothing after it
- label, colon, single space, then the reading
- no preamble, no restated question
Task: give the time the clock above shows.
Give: 12:35
